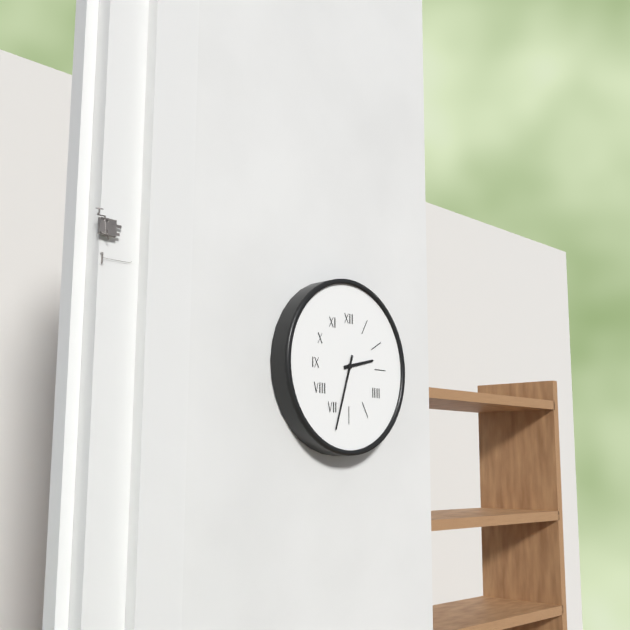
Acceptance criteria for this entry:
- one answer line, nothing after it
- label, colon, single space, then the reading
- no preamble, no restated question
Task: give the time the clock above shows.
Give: 2:33
